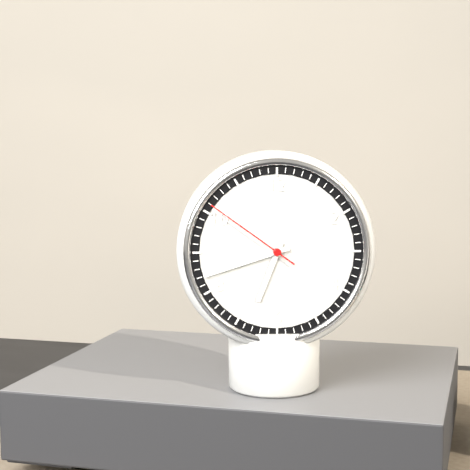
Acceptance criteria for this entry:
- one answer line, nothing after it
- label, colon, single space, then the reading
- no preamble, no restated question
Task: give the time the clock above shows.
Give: 6:42:51
